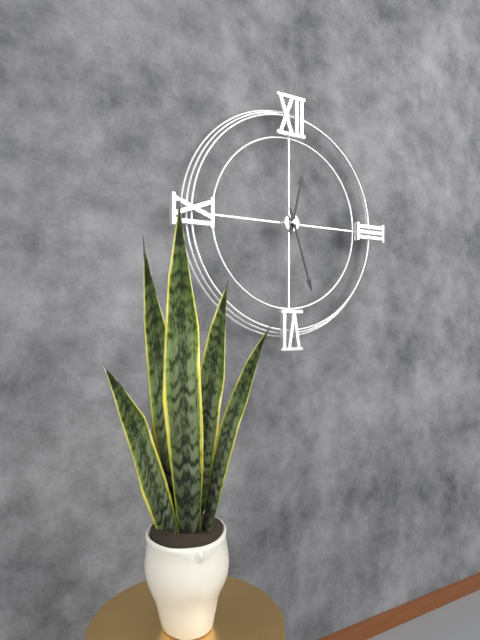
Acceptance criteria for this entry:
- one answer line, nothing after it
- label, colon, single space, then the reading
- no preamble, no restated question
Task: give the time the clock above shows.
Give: 12:27
